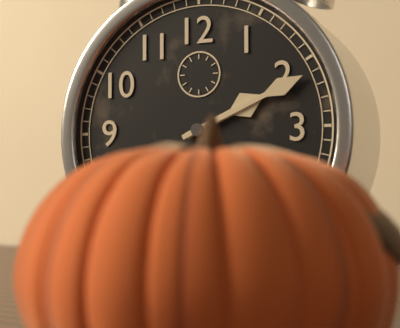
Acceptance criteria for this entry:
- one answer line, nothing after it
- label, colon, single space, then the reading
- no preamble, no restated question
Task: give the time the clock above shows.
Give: 2:11
